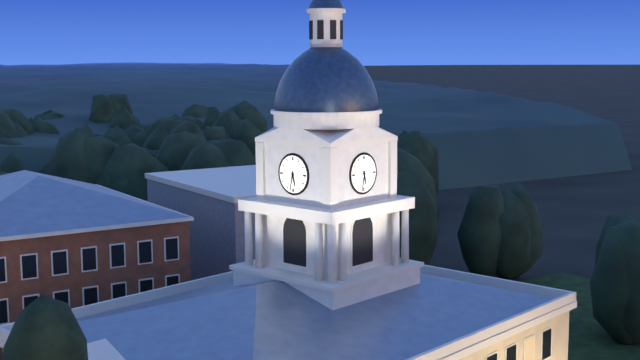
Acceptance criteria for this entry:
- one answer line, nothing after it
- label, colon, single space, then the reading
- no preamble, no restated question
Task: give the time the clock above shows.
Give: 5:32
